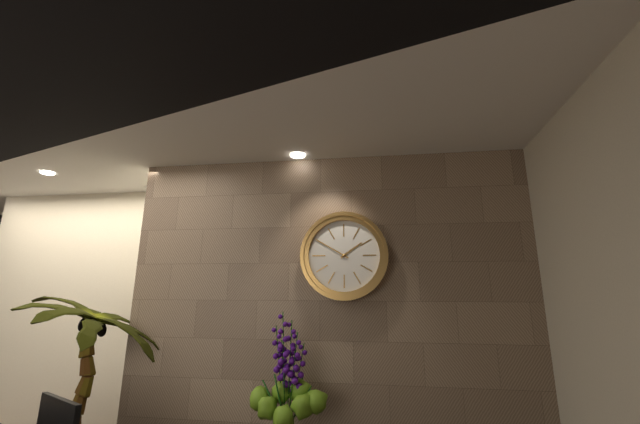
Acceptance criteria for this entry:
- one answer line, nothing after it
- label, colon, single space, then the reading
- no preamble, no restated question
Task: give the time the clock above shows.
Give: 1:50
